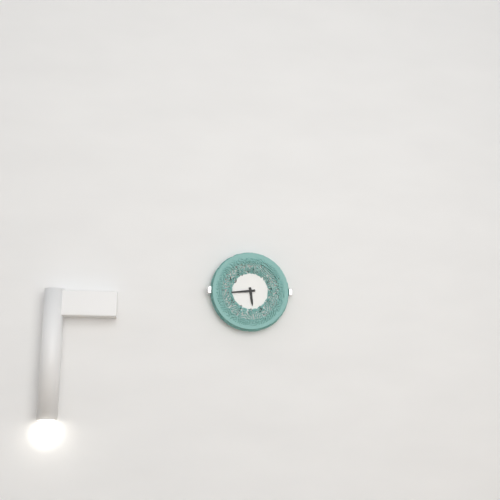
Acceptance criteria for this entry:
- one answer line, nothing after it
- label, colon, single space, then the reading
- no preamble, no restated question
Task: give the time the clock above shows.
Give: 5:44
